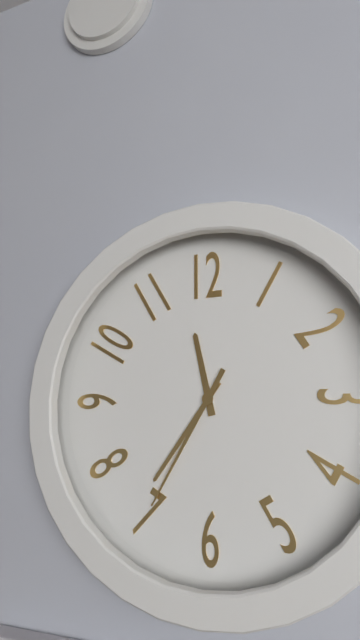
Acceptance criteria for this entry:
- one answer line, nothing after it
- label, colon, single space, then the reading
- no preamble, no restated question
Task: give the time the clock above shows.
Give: 11:36:35
